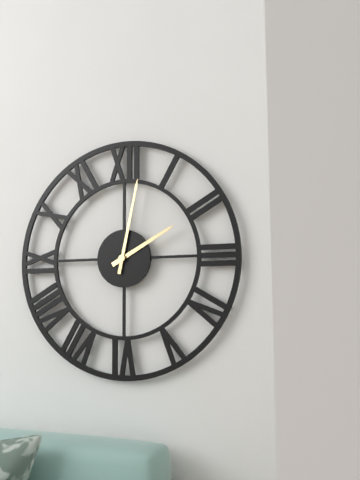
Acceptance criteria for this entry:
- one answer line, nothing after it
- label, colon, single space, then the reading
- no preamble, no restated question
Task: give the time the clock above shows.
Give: 2:02
